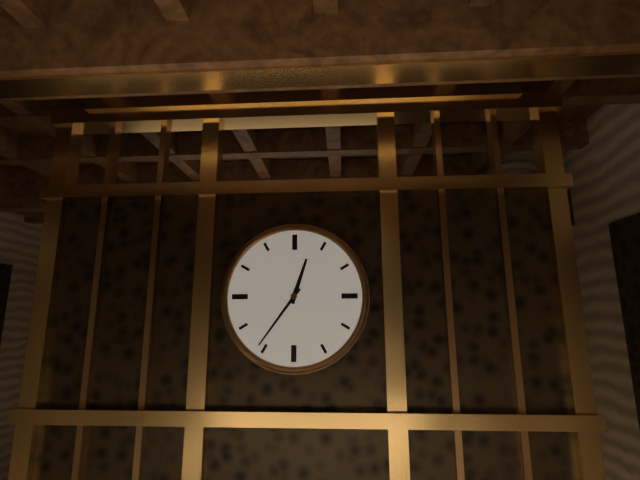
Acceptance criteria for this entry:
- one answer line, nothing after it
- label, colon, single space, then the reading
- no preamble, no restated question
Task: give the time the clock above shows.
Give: 12:36
